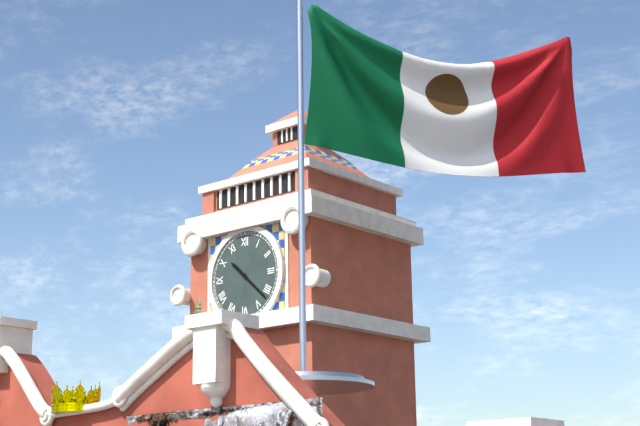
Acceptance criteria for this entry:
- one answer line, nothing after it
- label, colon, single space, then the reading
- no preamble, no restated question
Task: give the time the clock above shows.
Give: 10:22
